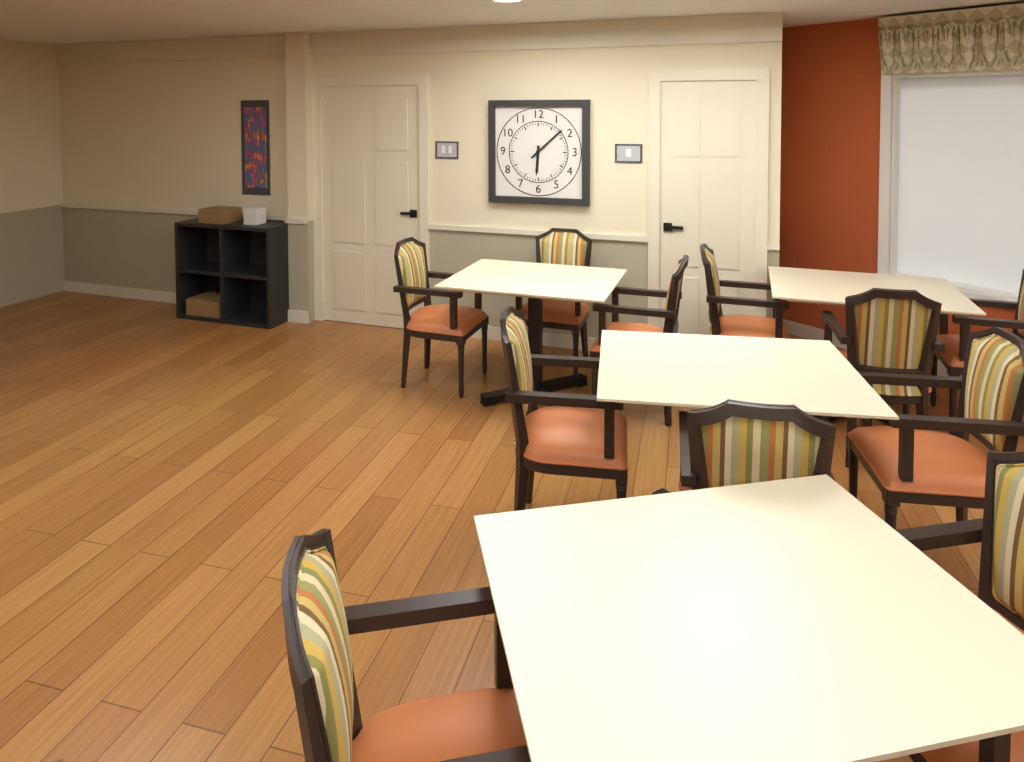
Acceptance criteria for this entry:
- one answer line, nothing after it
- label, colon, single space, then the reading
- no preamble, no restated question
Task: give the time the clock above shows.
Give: 6:08
